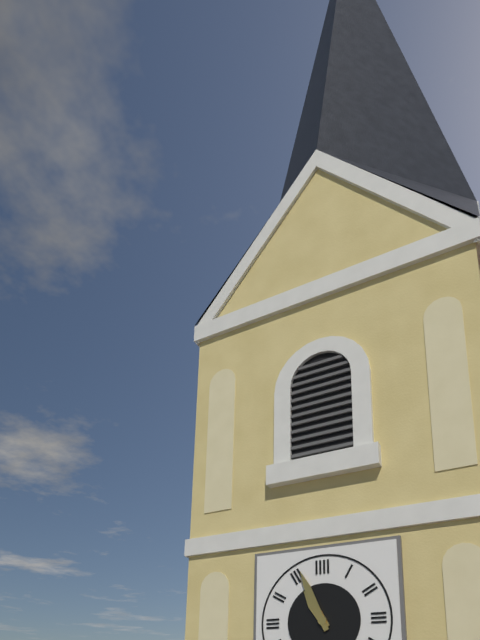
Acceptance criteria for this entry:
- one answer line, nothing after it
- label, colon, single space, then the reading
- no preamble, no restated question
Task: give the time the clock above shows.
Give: 10:56
